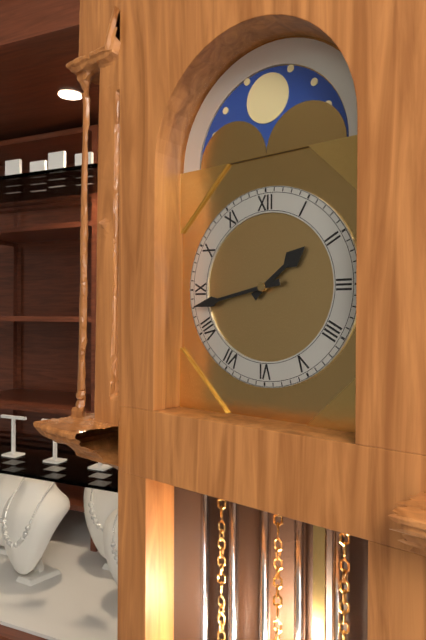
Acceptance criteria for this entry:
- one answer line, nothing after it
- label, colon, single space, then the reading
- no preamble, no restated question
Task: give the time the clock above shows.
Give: 1:43
